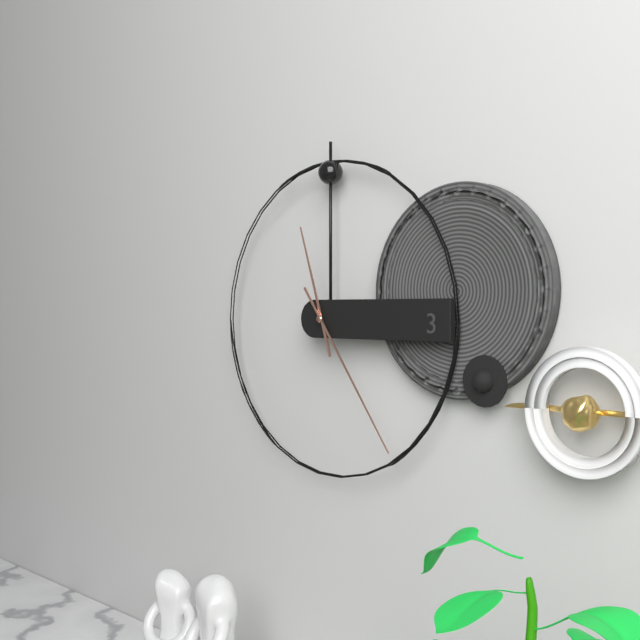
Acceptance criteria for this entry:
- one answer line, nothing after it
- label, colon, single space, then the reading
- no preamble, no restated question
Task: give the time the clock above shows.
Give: 11:24
